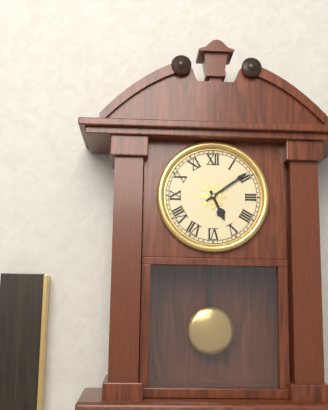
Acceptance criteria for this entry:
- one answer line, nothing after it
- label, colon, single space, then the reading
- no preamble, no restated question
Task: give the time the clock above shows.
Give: 5:09
